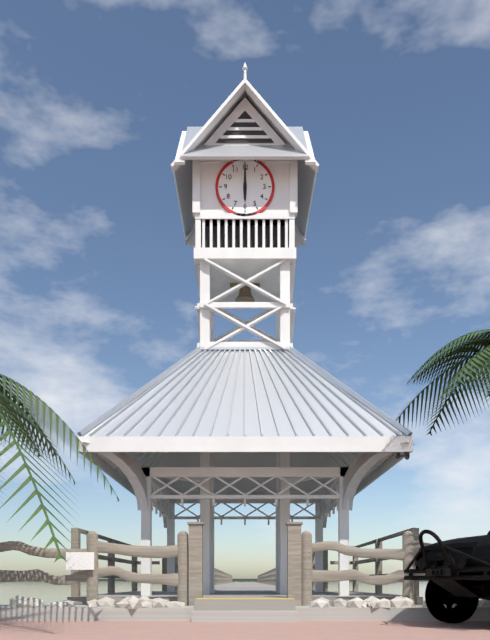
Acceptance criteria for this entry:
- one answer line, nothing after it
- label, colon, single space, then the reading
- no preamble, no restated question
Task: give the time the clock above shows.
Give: 6:00
